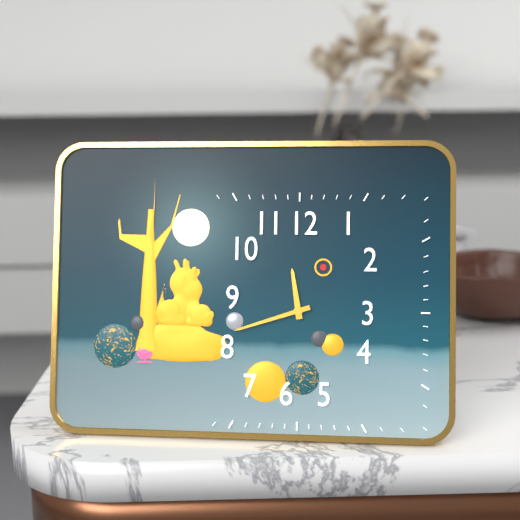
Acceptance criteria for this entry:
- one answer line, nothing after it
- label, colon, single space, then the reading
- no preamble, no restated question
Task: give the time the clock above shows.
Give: 11:42
